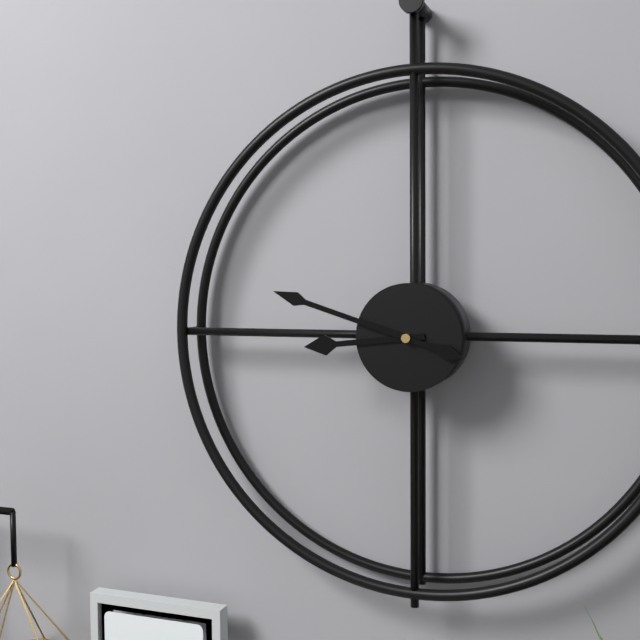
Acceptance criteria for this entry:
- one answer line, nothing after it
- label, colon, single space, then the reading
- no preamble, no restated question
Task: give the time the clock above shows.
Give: 8:48
